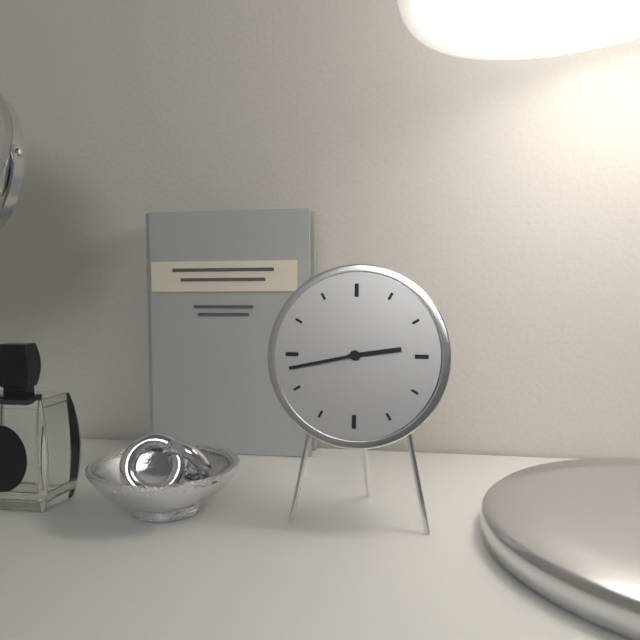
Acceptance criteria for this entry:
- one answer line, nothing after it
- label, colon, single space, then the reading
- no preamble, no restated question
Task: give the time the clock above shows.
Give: 2:43
